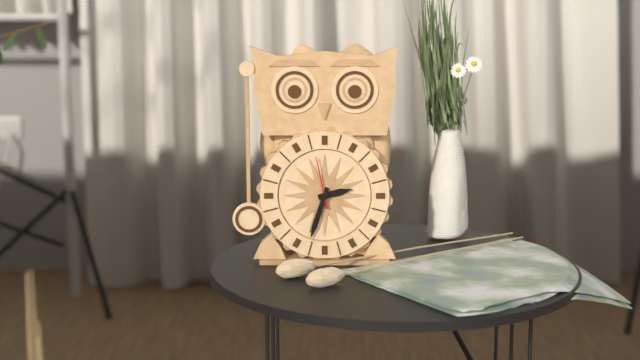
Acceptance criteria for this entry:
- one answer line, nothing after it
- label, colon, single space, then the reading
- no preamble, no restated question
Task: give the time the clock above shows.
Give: 2:33:58
